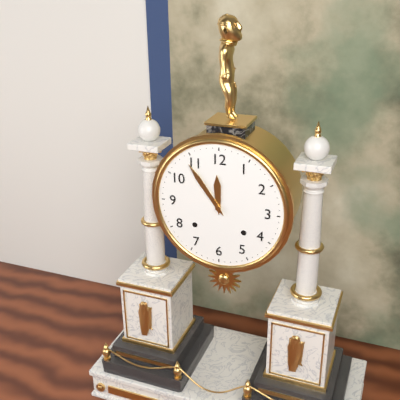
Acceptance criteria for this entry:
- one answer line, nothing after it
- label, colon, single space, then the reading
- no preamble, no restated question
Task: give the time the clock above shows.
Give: 11:54
